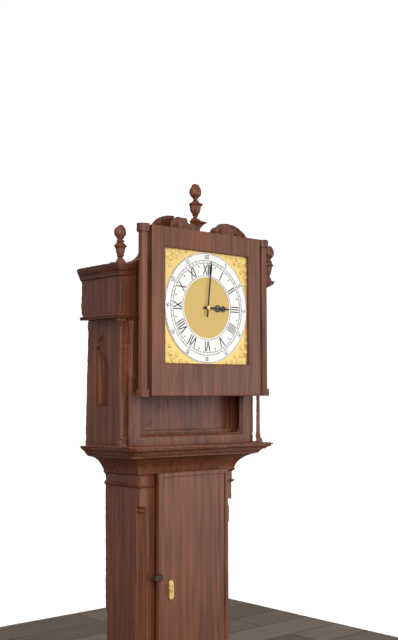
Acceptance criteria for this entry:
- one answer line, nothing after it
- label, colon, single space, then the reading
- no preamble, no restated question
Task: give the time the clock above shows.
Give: 3:01
